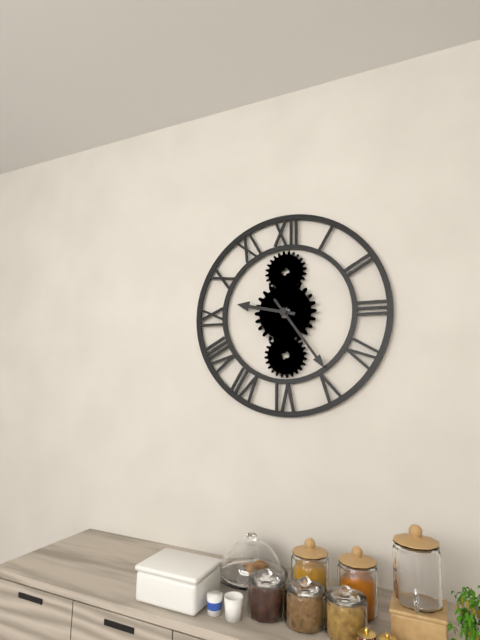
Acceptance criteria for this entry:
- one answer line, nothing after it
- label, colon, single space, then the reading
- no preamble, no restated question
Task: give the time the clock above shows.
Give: 9:24
